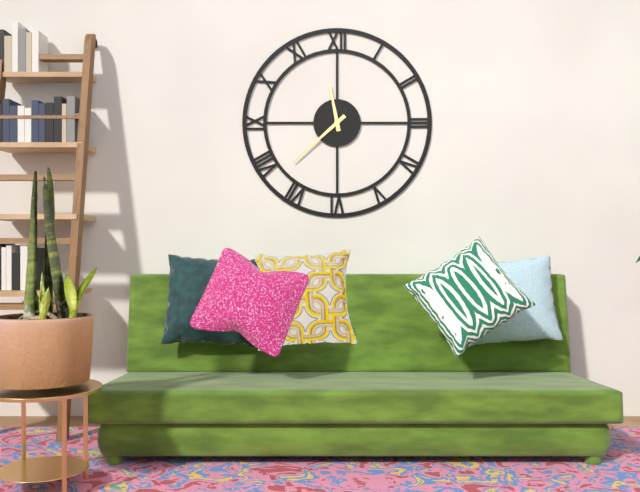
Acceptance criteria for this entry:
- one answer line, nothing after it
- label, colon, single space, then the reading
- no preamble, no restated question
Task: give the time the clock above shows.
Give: 11:38
